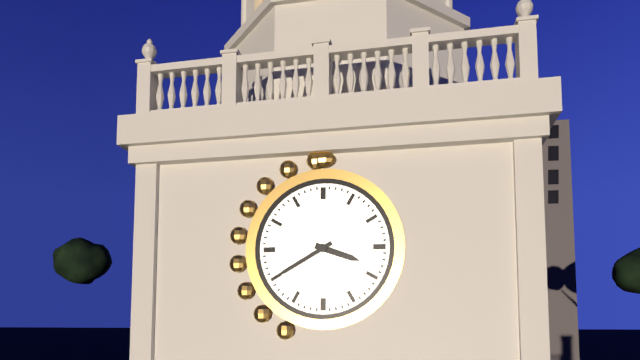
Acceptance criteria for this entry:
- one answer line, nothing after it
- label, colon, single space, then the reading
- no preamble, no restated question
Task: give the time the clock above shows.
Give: 3:40
